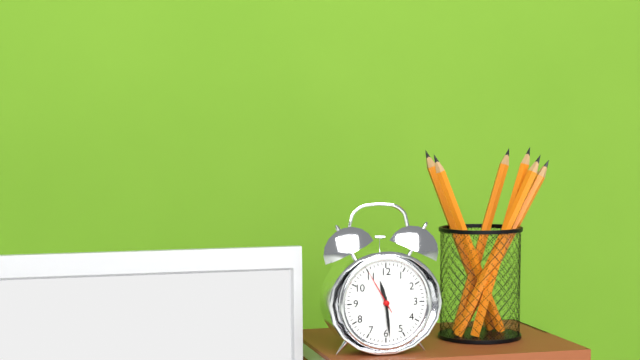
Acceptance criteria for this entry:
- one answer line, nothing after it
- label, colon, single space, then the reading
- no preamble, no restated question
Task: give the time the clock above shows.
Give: 11:29
